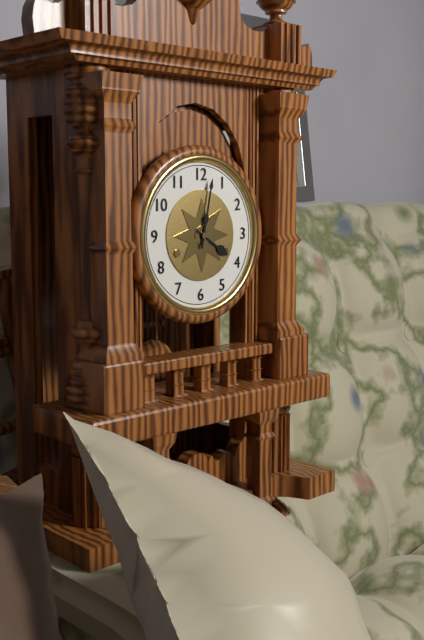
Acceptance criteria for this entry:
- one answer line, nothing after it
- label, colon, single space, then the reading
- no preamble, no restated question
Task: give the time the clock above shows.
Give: 4:02
